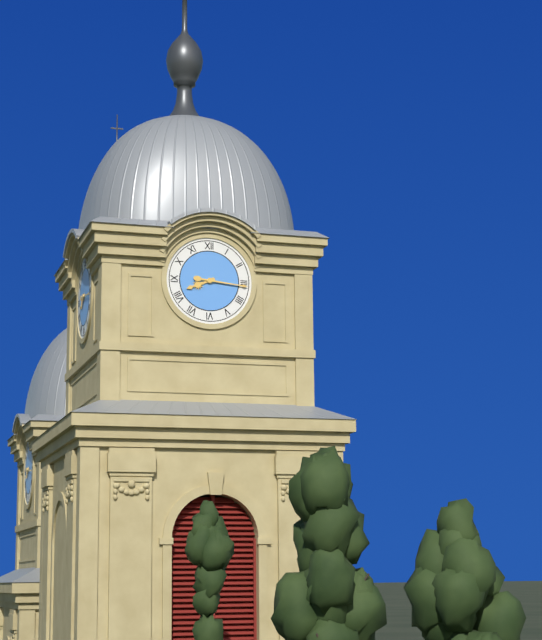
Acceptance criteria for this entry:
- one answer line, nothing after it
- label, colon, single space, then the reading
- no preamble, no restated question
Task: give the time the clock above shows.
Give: 8:16
